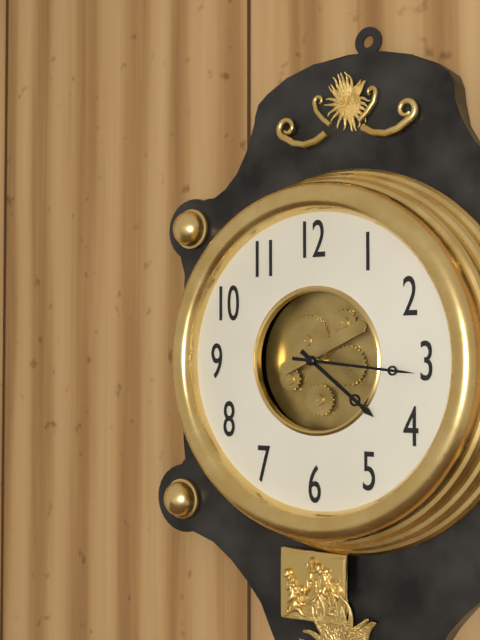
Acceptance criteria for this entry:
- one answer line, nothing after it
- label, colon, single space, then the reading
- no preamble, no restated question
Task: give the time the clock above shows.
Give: 4:16
